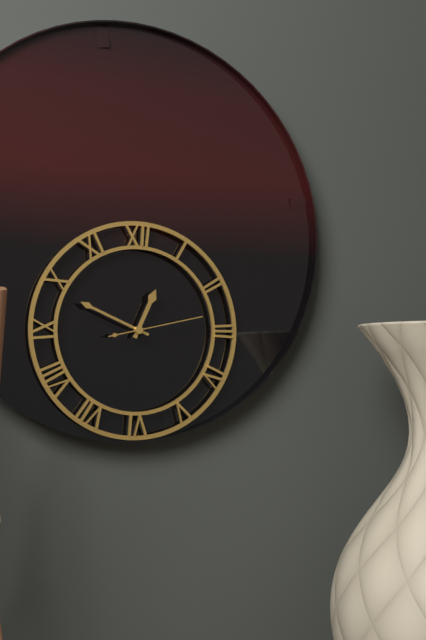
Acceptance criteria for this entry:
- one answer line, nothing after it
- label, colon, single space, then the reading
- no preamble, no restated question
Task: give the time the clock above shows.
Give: 12:49:13
